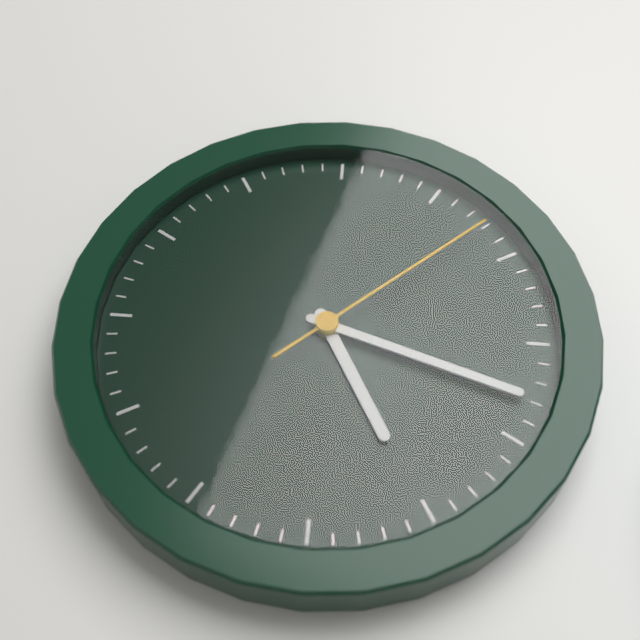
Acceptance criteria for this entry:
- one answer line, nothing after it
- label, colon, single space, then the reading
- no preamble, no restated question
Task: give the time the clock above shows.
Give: 2:03:53
